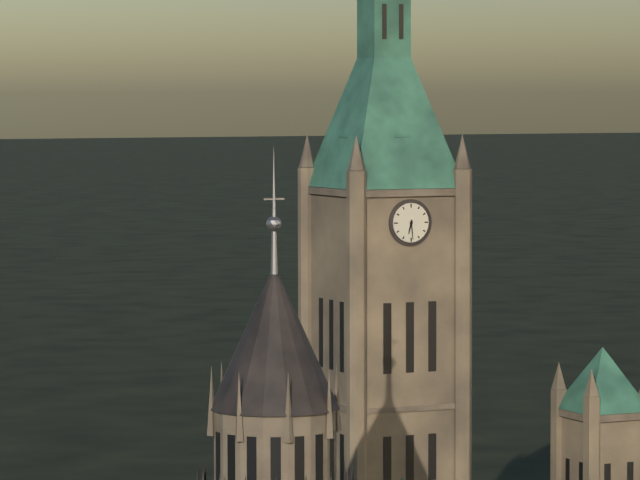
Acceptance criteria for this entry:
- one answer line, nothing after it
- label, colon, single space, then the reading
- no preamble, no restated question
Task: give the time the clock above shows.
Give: 6:29
